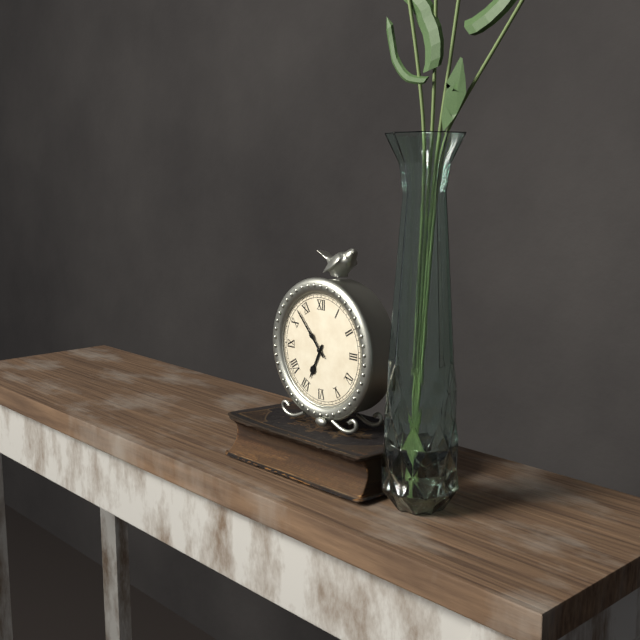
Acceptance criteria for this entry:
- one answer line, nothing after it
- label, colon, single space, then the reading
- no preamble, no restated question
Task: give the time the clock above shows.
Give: 6:53
